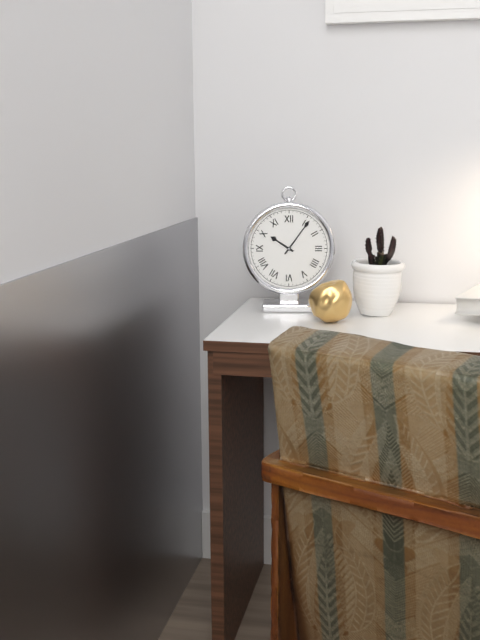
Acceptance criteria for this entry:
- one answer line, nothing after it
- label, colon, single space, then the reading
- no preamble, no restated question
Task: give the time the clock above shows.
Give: 10:06
